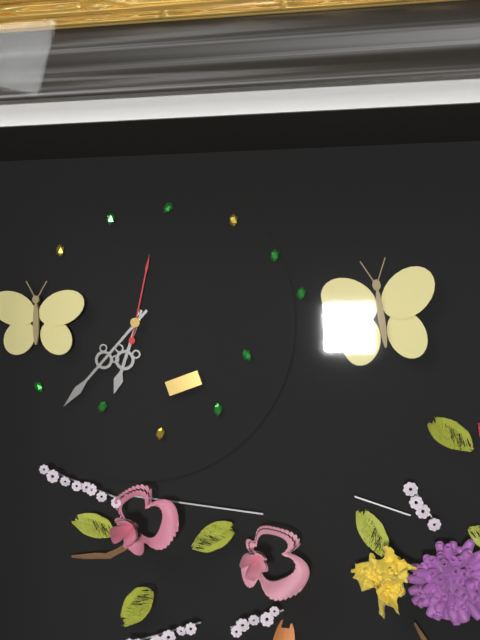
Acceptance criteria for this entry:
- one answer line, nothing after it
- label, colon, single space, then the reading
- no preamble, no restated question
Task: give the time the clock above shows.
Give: 6:37:02
